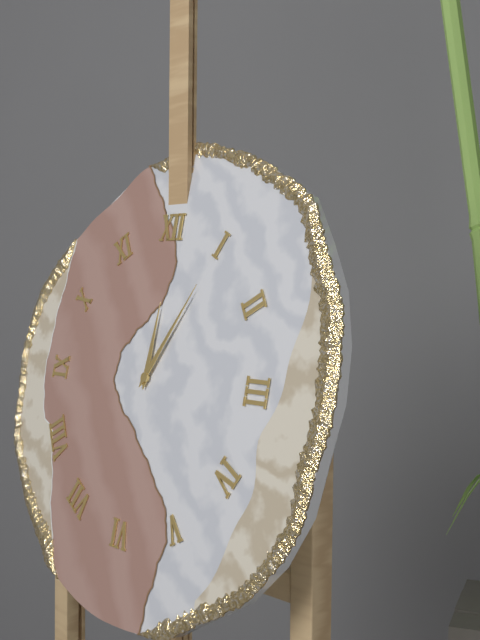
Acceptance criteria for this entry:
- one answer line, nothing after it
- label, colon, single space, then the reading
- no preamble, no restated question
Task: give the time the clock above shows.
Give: 12:05
